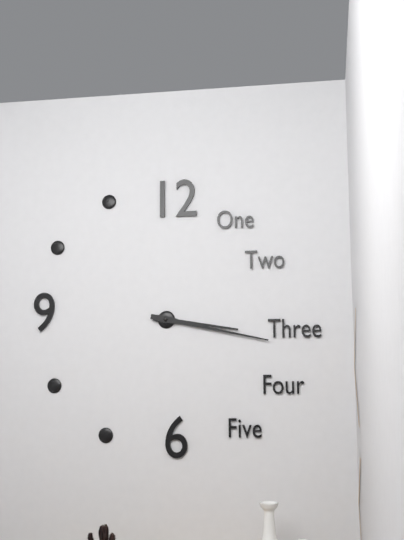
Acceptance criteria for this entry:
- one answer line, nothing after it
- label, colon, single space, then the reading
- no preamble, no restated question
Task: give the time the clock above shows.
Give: 3:17
